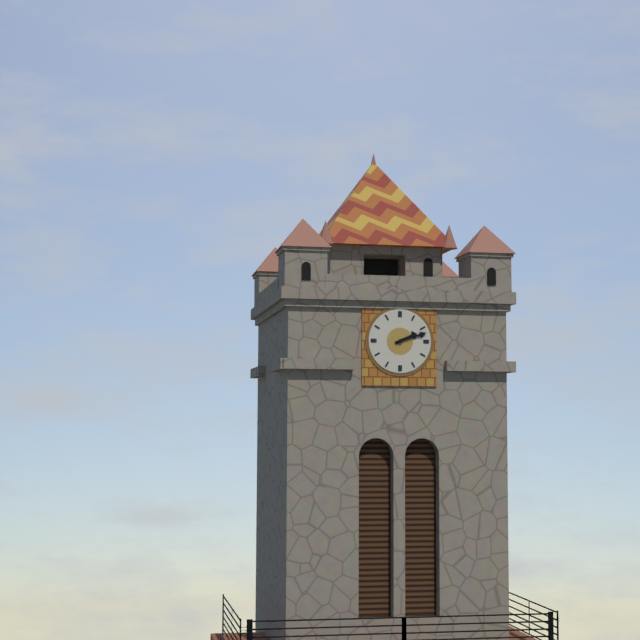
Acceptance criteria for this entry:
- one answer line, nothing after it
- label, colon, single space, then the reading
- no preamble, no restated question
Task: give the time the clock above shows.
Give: 2:12
